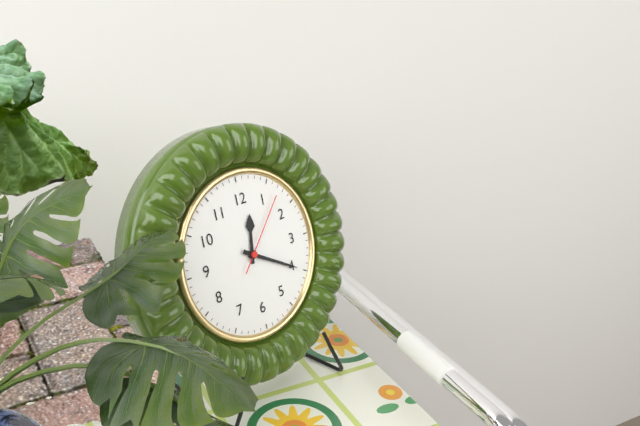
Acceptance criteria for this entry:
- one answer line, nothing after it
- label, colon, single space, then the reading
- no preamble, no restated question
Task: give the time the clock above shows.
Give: 12:20:07
